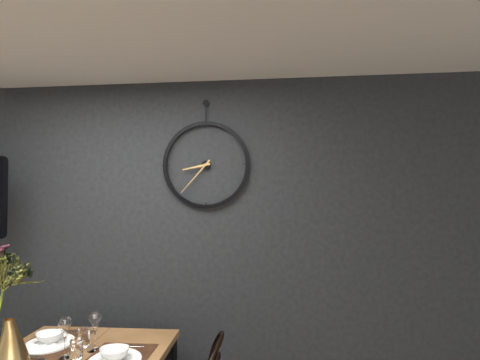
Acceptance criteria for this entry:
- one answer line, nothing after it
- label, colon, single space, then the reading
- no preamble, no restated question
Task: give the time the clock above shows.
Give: 8:37
